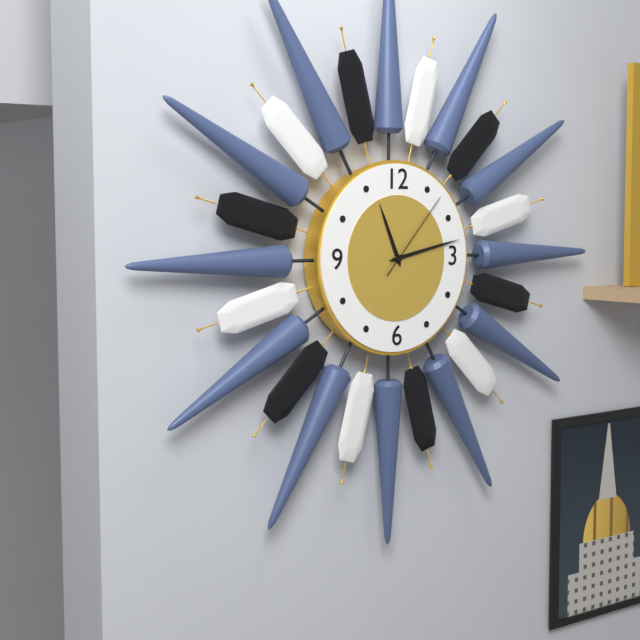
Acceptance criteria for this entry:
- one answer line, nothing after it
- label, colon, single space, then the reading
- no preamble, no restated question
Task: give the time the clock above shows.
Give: 11:13:07
